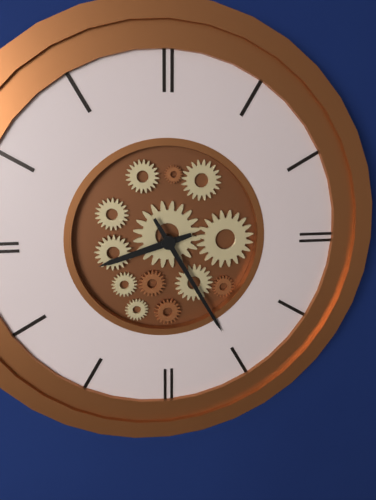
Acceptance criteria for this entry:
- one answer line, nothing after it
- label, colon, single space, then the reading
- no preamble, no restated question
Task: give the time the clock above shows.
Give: 8:25
